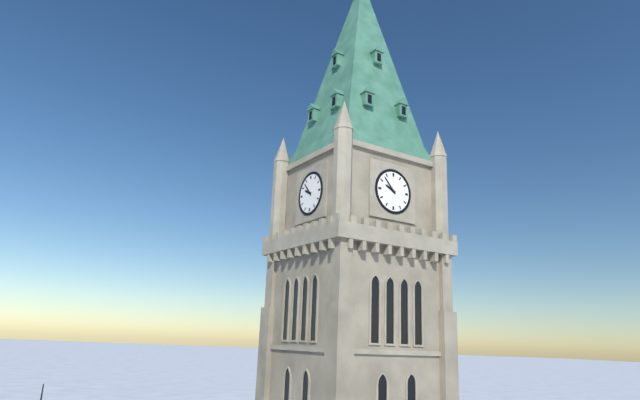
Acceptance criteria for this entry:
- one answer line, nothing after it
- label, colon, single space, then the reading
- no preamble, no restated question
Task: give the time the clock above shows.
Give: 9:53
